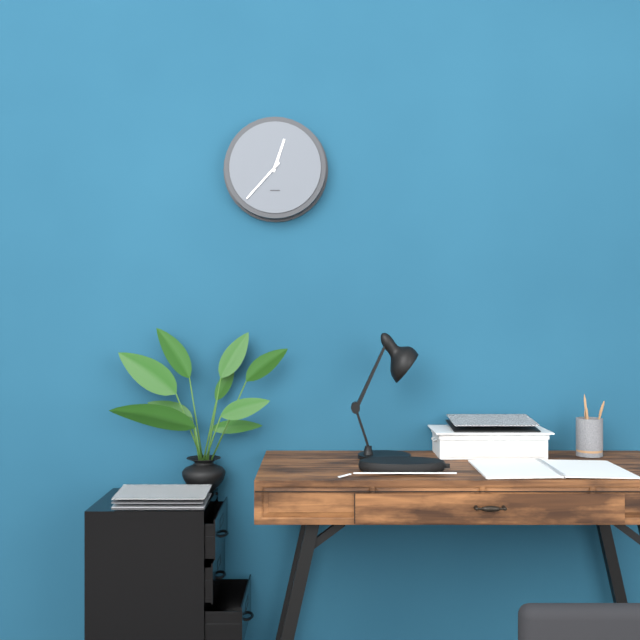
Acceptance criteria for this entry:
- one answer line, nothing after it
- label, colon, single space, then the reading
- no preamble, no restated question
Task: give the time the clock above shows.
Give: 12:37
